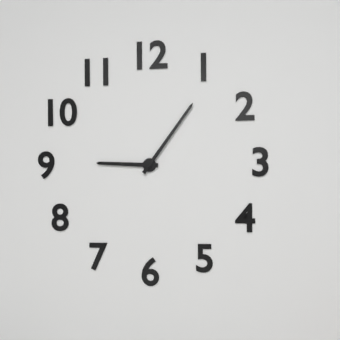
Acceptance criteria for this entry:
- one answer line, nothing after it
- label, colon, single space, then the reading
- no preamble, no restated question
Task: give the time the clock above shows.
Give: 9:06
